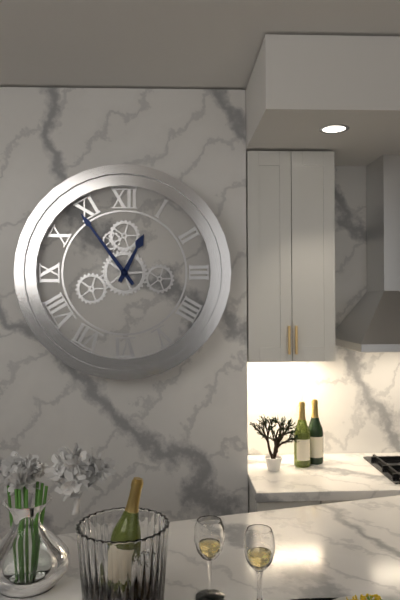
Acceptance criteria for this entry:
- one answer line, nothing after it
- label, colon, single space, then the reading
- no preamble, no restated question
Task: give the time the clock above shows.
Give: 12:54
